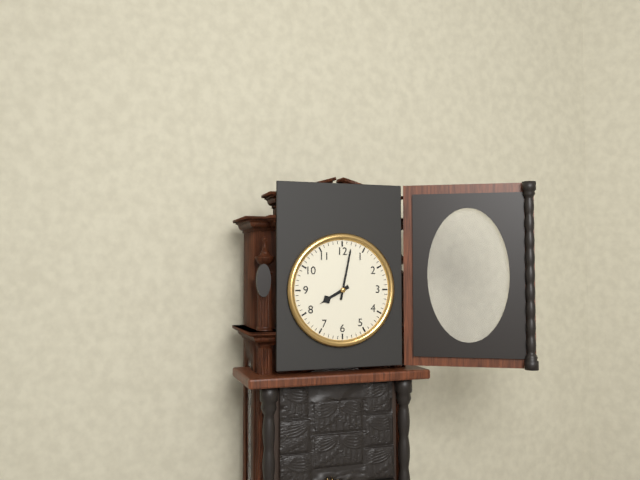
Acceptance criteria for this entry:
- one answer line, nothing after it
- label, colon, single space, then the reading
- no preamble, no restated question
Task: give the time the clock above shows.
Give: 8:02
